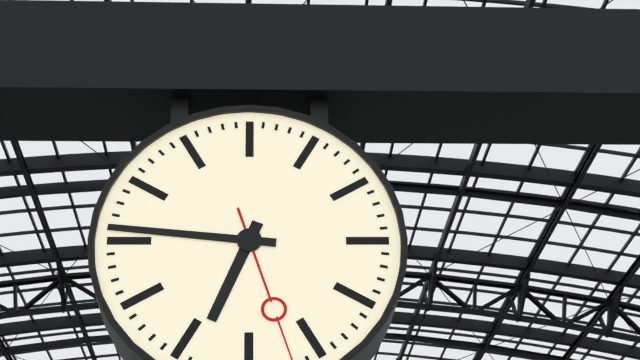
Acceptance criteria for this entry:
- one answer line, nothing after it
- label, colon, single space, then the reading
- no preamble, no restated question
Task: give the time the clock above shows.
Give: 6:46
